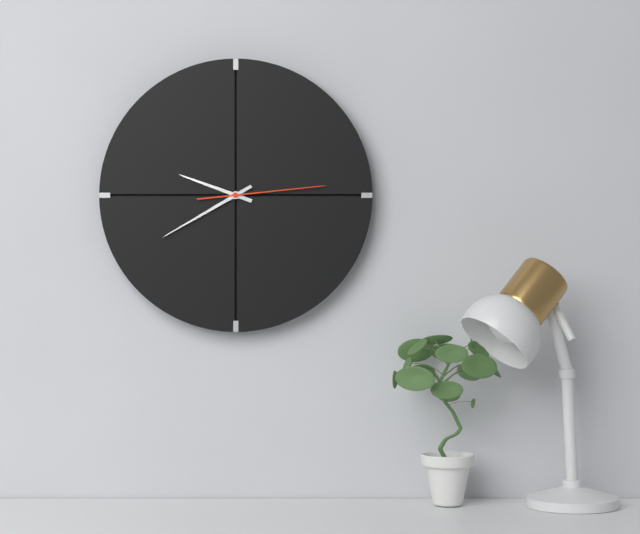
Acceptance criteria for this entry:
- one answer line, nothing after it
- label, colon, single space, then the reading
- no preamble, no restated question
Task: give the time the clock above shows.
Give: 9:40:14
